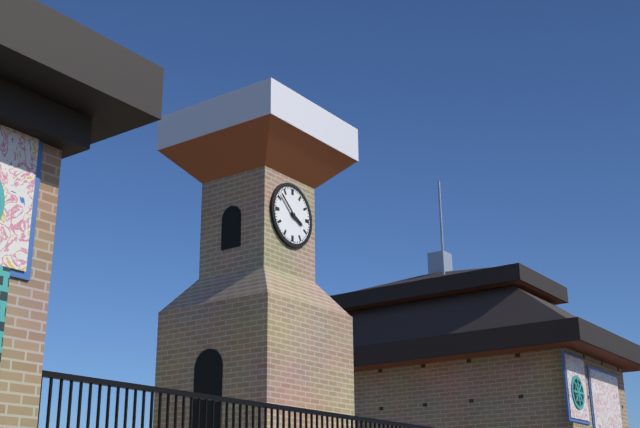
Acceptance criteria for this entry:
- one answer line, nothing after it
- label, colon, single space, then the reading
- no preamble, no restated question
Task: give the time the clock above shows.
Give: 3:52
